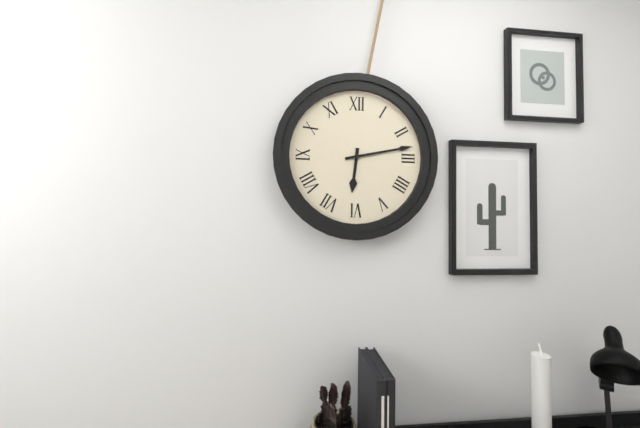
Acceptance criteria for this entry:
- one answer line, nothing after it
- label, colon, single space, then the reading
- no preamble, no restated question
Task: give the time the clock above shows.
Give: 6:13
